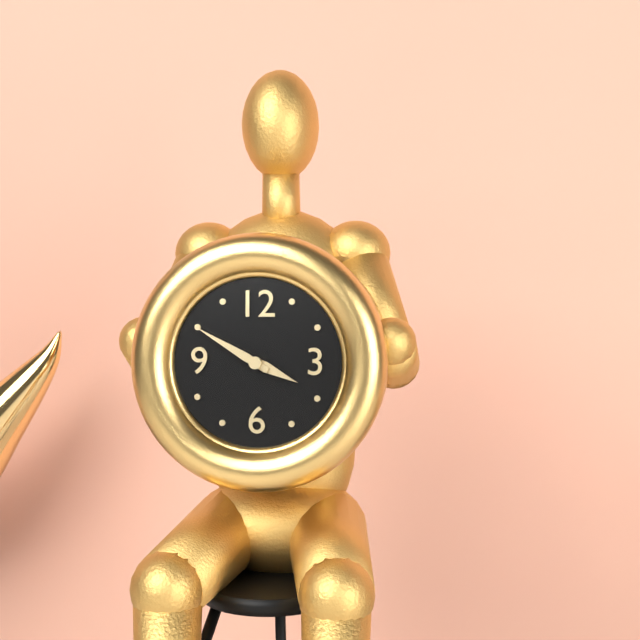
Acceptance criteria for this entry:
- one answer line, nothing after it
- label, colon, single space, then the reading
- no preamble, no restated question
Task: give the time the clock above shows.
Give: 3:50
